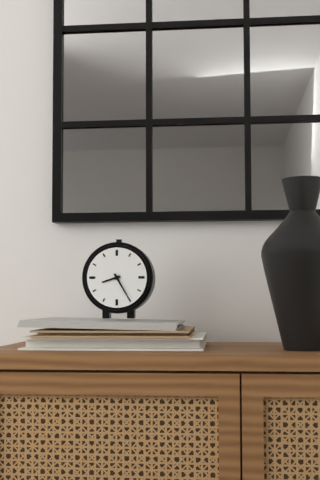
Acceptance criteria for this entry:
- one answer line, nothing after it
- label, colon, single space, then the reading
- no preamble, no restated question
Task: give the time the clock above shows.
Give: 8:25
